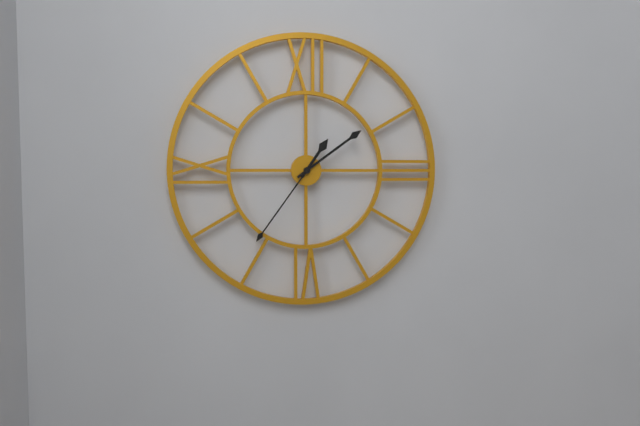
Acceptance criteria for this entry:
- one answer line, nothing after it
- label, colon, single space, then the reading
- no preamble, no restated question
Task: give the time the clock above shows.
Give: 1:09:36
